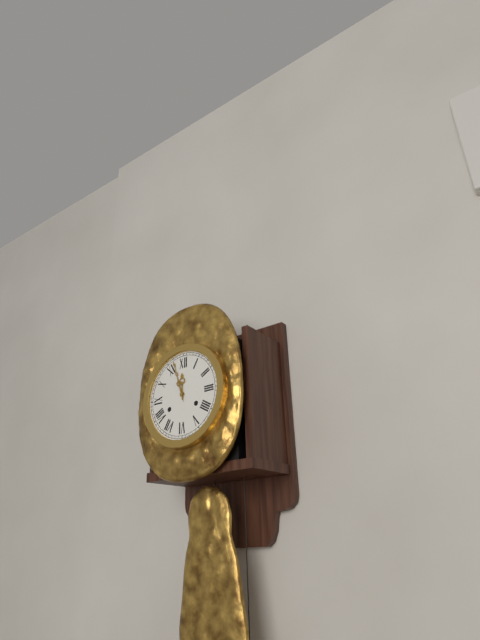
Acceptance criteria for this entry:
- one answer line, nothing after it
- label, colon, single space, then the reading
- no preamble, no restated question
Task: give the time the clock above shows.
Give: 11:57
